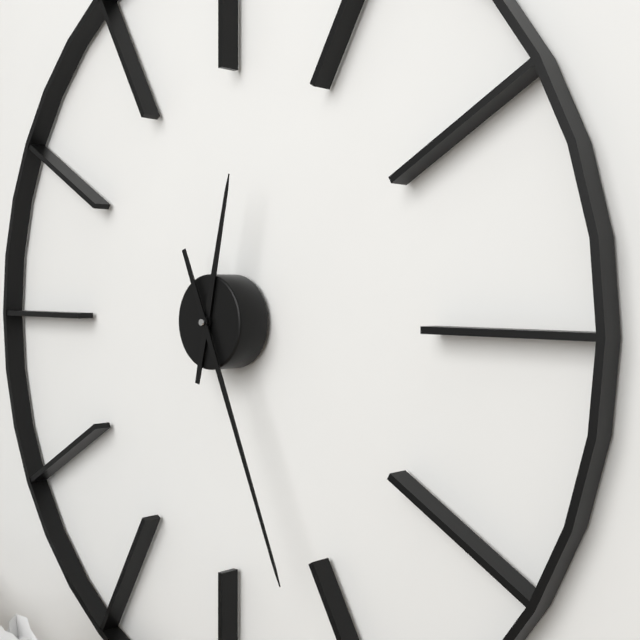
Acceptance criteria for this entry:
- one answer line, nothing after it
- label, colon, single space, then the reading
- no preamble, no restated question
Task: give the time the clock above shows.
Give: 12:26
